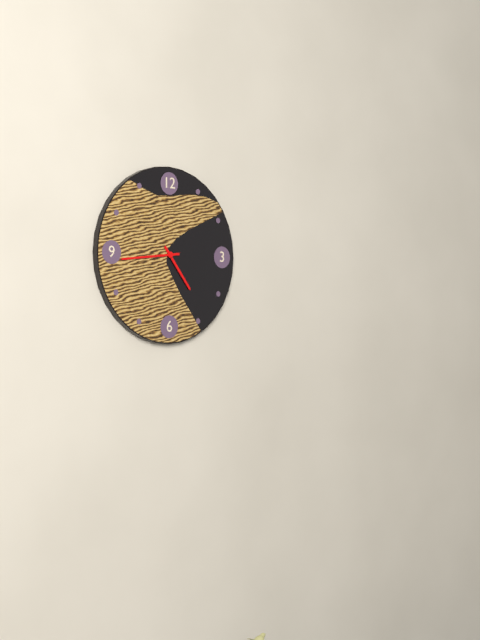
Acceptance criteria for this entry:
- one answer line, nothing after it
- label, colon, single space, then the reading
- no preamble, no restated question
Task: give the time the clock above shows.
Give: 4:44
